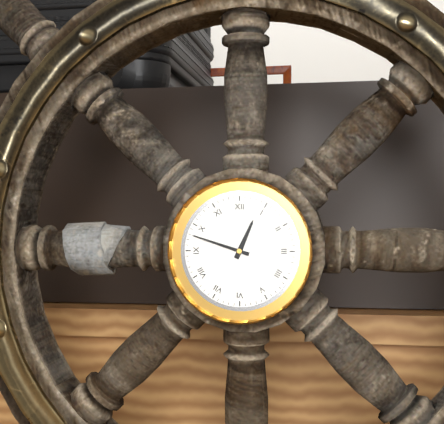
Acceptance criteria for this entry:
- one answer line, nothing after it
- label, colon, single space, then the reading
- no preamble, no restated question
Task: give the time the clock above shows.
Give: 12:48
